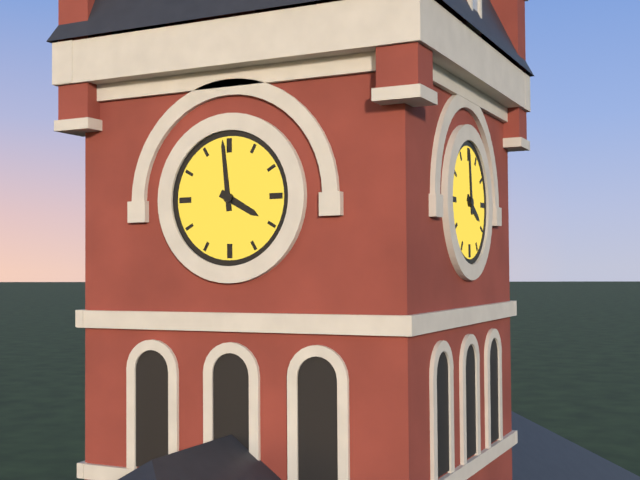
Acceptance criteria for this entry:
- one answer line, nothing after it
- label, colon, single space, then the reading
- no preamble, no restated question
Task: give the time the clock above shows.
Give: 3:59
